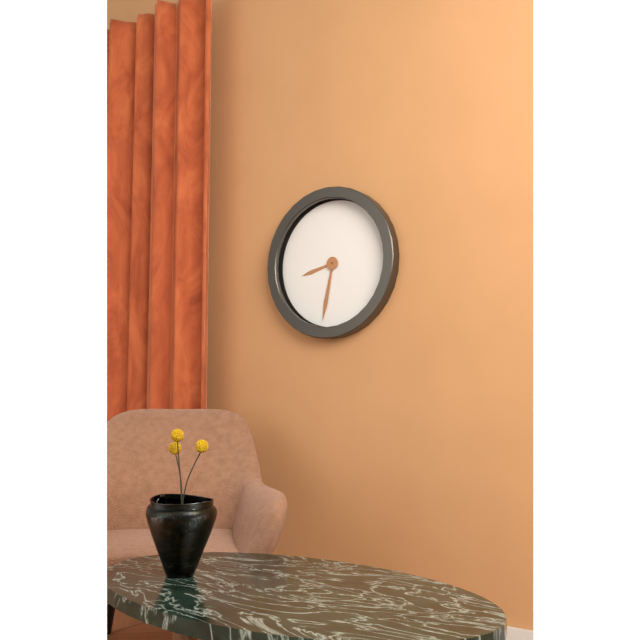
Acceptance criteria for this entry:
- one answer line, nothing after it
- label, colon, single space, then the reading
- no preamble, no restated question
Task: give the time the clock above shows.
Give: 8:32
